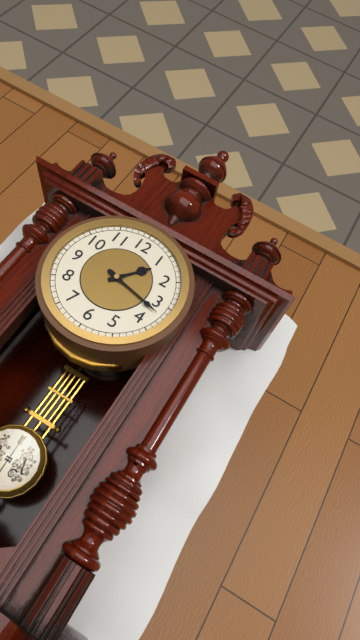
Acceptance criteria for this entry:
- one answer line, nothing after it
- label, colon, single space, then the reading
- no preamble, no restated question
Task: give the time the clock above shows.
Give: 1:17
